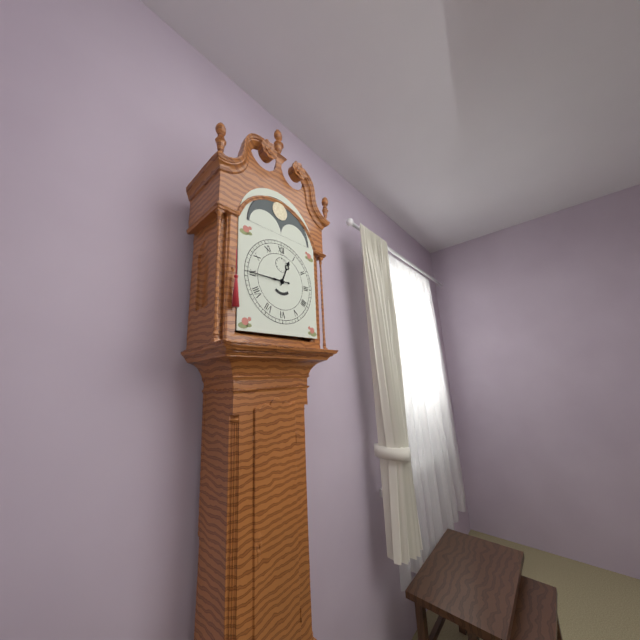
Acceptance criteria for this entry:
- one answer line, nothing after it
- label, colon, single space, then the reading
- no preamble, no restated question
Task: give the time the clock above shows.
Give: 12:45
